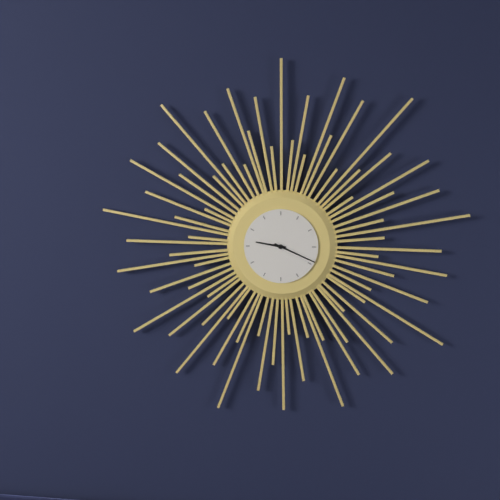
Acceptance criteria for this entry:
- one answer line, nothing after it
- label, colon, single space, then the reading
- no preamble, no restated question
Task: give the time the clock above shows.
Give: 9:19
